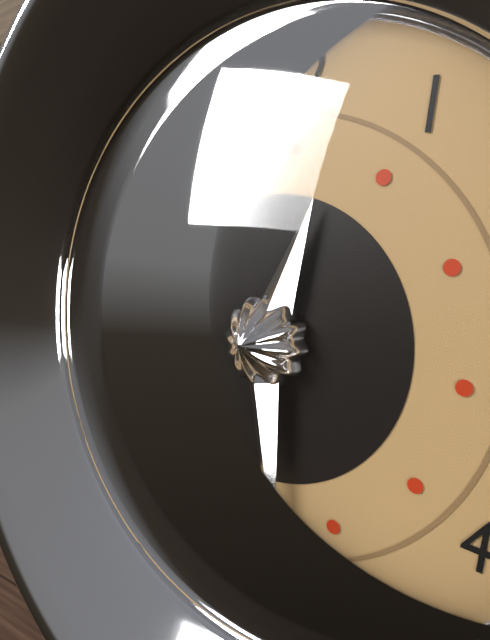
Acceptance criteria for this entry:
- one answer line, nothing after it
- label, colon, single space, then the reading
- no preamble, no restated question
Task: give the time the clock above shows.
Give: 12:28
